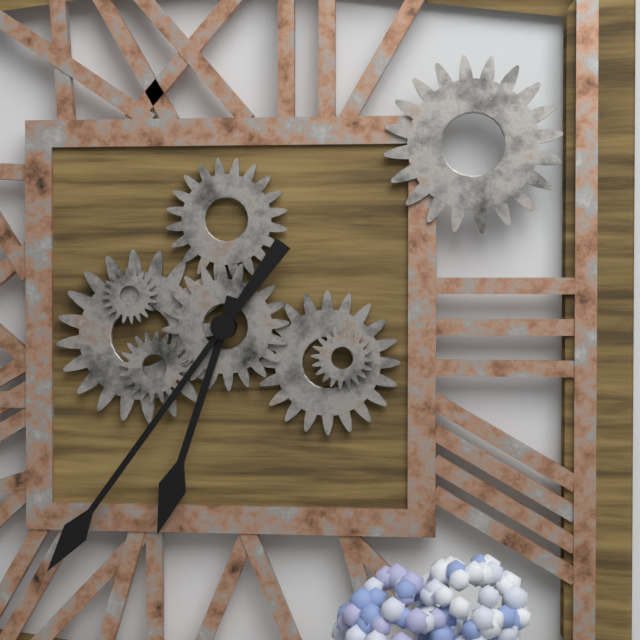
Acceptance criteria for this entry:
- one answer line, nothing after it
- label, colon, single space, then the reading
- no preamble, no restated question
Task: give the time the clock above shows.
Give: 6:36
